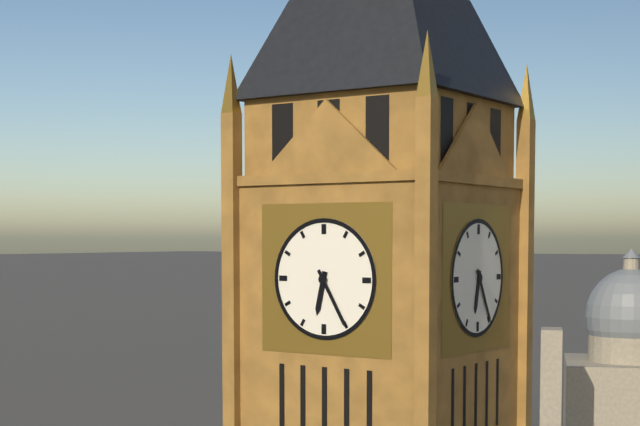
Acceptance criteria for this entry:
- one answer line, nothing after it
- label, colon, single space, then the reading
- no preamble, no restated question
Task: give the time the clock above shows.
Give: 6:25
